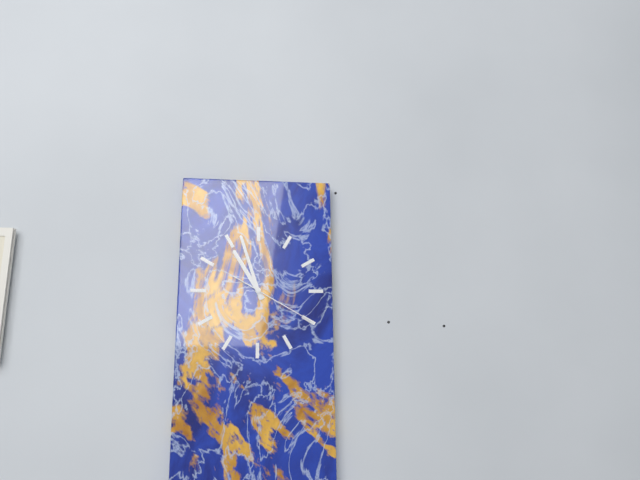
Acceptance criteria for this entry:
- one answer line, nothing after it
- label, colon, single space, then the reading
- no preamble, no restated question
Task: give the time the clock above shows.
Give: 10:57:20
